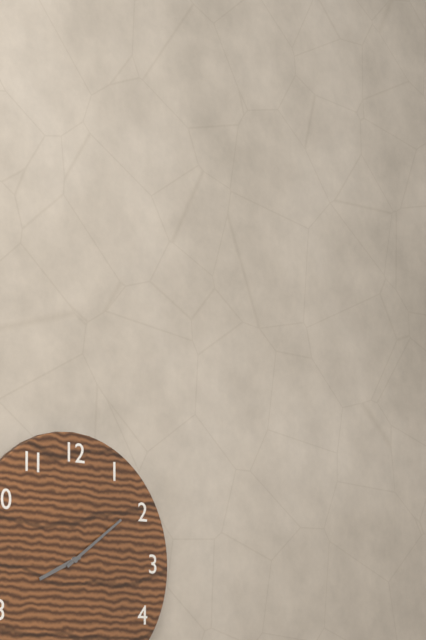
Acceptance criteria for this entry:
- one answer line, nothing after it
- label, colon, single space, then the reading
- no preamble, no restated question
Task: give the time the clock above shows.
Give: 8:09
